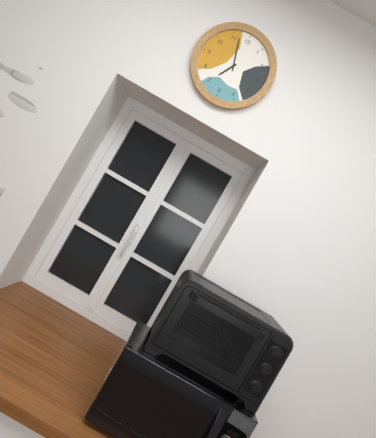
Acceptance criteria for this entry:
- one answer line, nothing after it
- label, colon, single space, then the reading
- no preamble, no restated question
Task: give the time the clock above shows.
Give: 6:57
